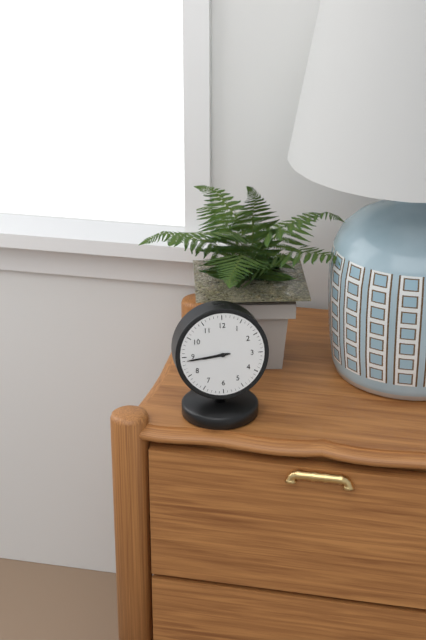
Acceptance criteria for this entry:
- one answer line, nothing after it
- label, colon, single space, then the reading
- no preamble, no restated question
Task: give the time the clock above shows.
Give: 8:44
